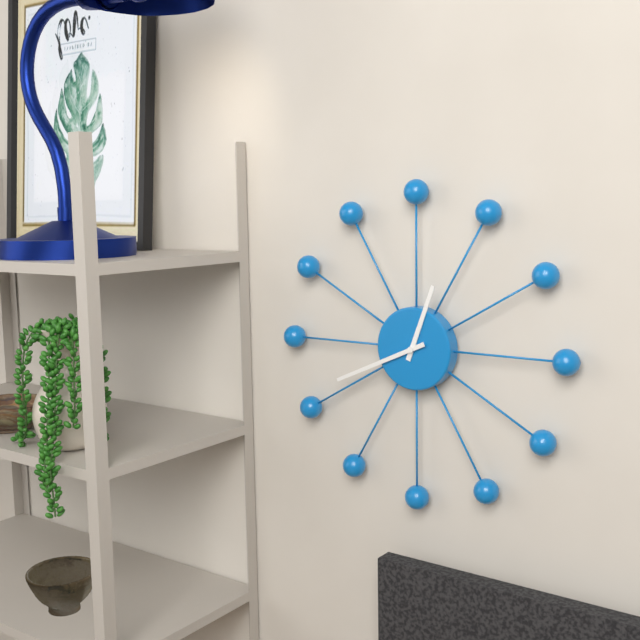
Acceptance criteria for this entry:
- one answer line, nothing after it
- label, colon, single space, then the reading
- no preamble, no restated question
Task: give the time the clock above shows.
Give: 12:41
